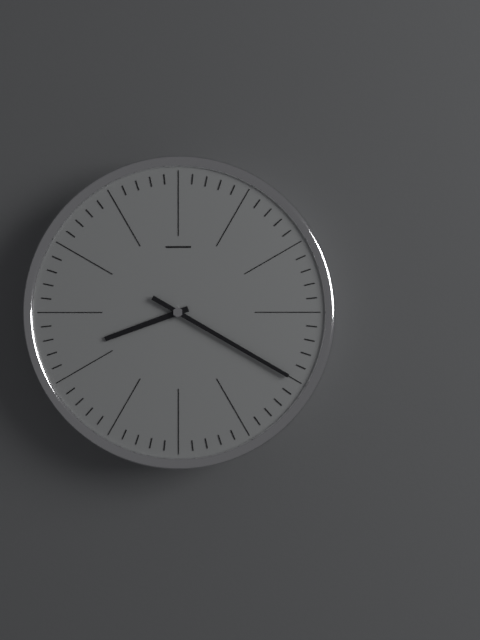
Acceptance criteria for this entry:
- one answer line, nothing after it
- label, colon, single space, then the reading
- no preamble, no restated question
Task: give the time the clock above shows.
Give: 8:20
